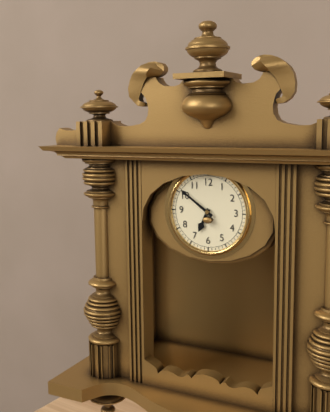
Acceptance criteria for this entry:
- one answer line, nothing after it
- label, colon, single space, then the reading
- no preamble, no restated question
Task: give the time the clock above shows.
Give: 6:51
